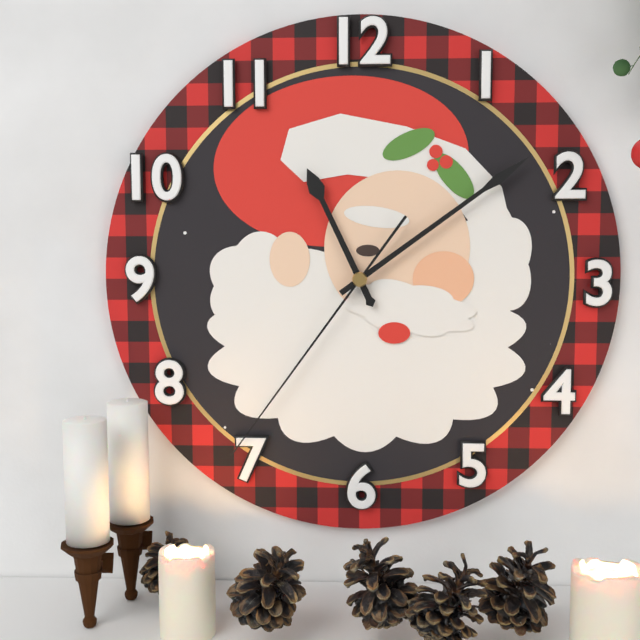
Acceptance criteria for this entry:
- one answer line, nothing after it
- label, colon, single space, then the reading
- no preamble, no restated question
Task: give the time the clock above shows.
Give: 11:09:36
